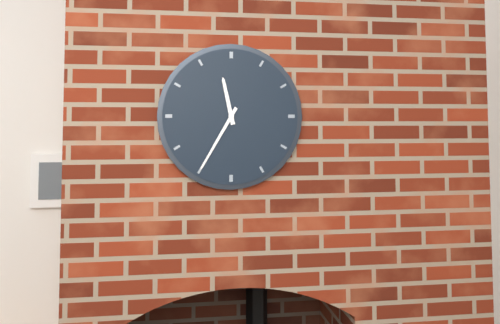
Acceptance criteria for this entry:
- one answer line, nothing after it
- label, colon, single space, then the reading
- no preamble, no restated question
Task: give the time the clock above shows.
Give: 11:35
